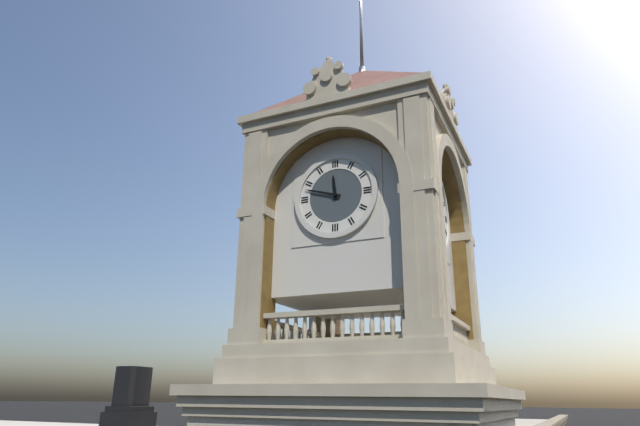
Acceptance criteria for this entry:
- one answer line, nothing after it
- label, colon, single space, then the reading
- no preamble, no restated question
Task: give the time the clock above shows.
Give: 11:48
